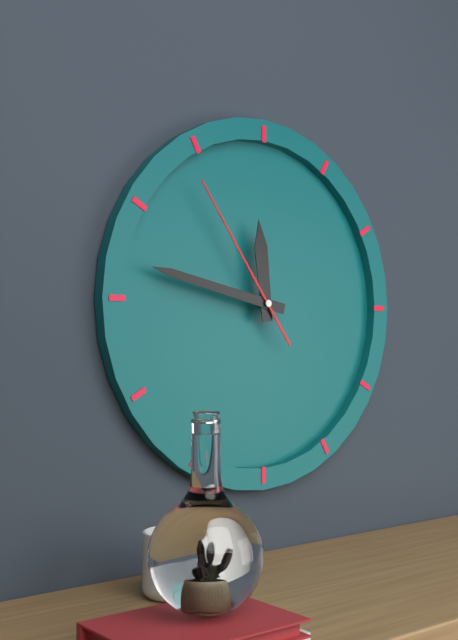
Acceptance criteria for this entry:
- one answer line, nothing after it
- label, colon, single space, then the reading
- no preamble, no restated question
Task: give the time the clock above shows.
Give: 11:47:54
